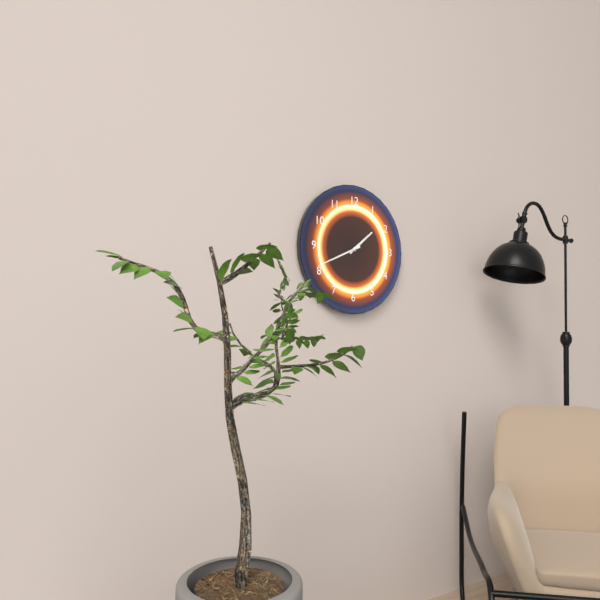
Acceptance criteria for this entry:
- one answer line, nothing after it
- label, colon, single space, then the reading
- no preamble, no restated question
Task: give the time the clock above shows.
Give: 1:41
